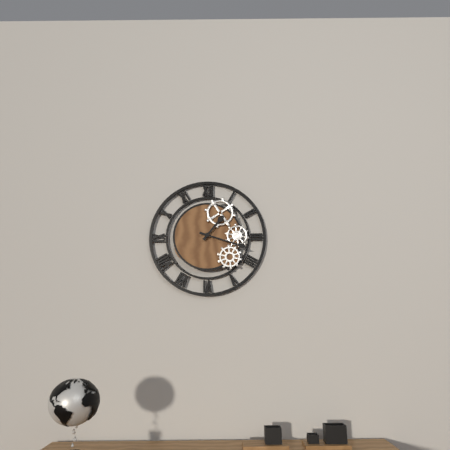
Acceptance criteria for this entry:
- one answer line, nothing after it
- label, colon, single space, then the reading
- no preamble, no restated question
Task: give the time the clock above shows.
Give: 1:18
